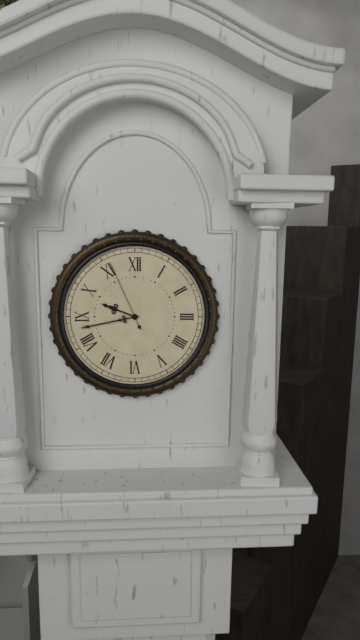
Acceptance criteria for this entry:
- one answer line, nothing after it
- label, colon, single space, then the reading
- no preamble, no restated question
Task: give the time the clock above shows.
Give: 9:43:56
